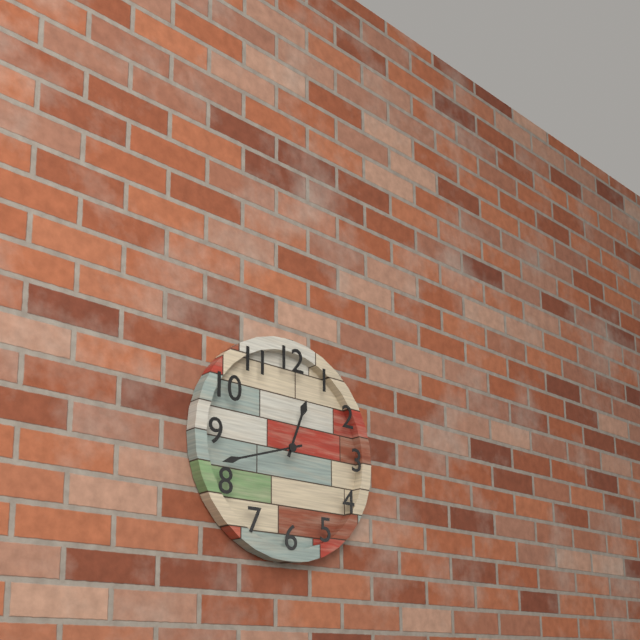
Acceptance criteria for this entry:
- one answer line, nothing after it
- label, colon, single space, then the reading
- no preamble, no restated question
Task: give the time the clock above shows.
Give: 12:42
